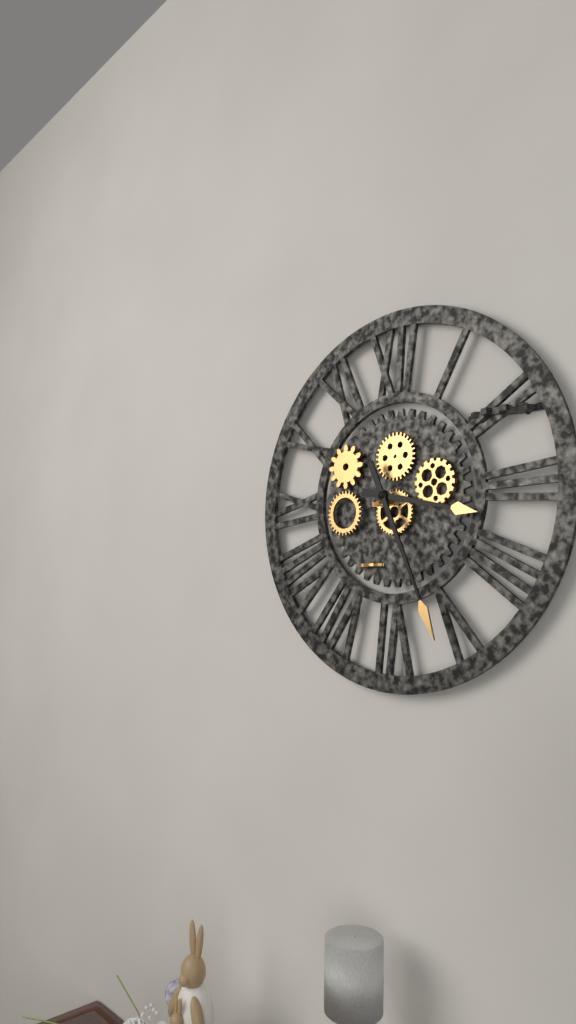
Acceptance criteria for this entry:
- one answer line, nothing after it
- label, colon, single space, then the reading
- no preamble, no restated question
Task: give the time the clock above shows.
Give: 3:26
